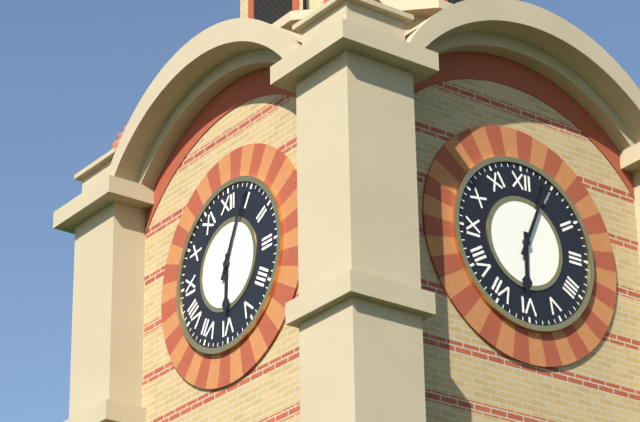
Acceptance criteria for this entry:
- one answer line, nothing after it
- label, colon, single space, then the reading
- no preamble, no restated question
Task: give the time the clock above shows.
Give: 6:04
